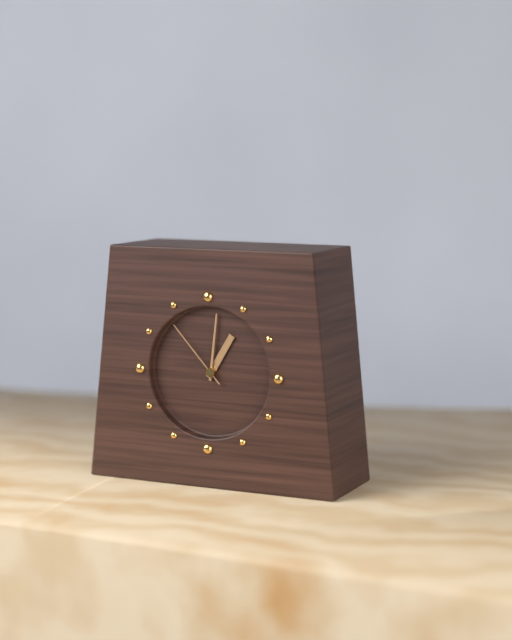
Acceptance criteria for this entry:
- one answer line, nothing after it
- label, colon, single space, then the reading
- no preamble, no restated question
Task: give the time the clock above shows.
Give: 1:01:53
